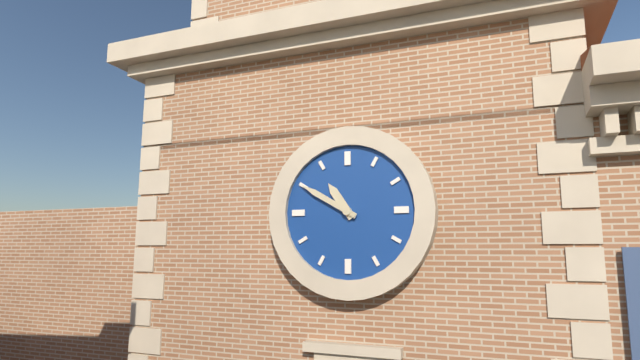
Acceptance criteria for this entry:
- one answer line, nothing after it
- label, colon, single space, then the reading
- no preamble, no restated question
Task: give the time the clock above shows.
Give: 10:50
